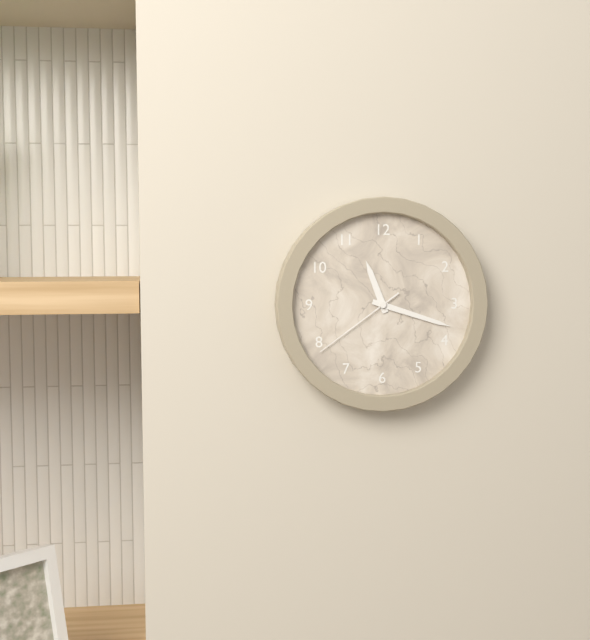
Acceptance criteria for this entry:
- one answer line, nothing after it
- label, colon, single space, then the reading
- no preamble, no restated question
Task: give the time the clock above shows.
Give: 11:18:39
